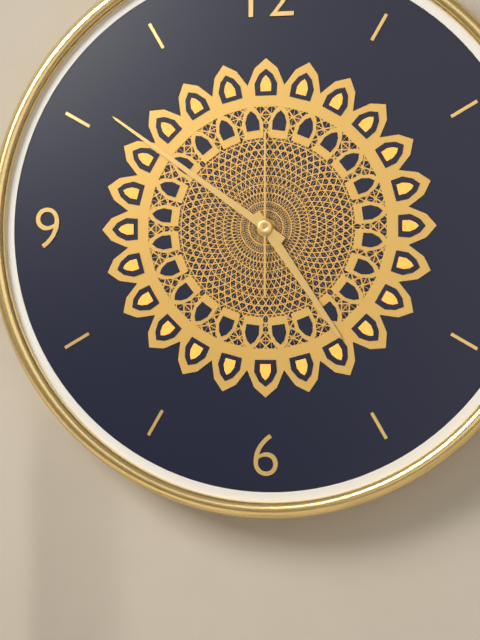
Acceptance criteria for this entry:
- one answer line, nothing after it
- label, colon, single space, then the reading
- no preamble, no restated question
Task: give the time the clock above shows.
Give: 4:51:00
